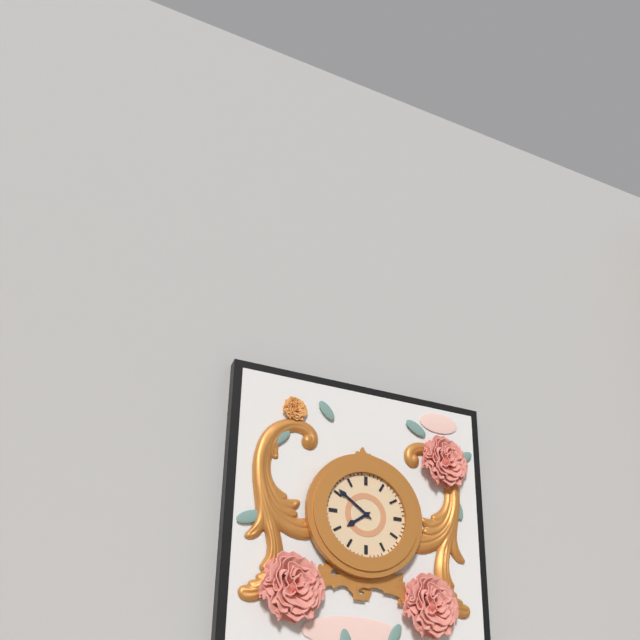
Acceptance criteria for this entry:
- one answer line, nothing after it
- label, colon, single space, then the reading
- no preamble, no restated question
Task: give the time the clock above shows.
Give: 7:51
